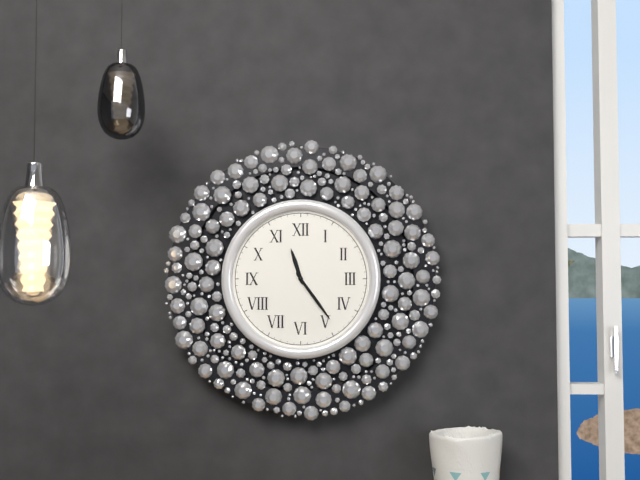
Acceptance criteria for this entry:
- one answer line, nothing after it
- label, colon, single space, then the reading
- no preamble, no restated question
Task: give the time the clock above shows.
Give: 11:24
